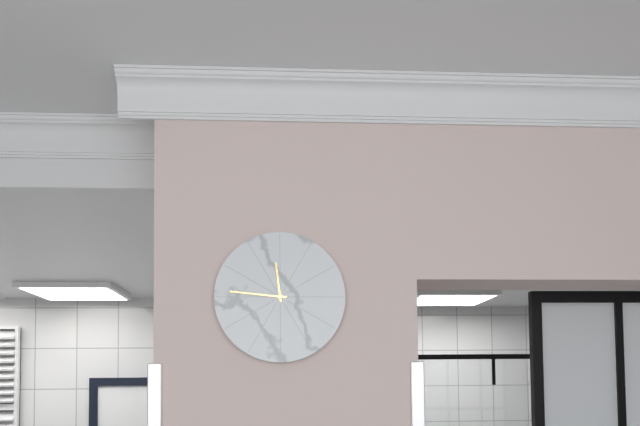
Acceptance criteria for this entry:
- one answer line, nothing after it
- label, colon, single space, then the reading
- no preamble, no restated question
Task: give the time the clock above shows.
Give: 11:46
